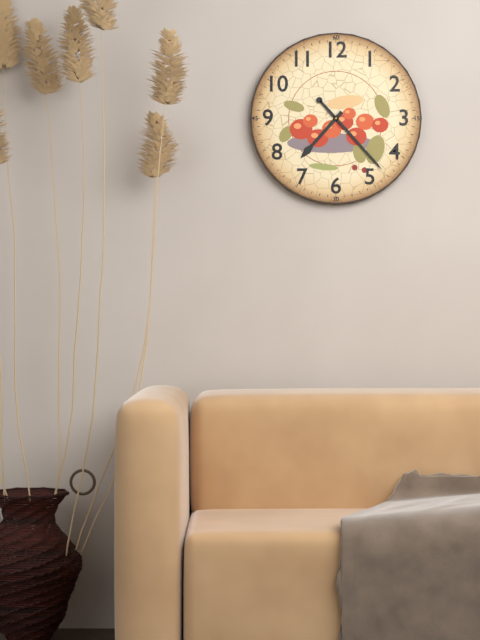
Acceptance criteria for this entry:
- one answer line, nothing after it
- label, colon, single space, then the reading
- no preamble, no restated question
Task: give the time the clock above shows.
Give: 7:23
